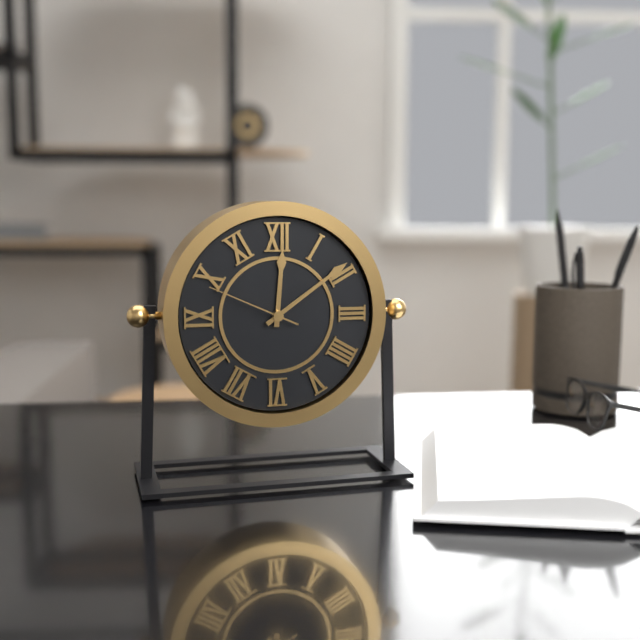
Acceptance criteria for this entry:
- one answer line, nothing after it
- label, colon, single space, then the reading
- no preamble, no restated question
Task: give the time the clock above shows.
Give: 12:09:49
